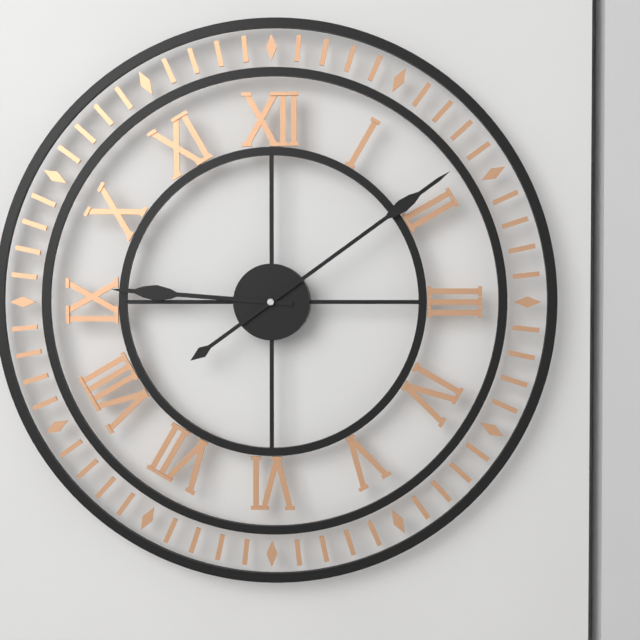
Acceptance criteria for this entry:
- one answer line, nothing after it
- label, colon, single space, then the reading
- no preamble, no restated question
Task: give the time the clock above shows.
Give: 9:09
